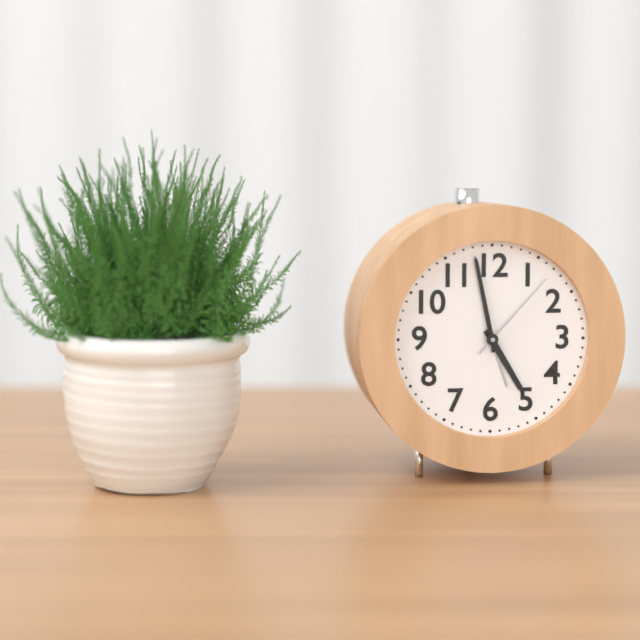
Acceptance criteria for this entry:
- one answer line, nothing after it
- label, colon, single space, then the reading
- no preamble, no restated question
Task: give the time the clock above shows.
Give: 4:58:07
